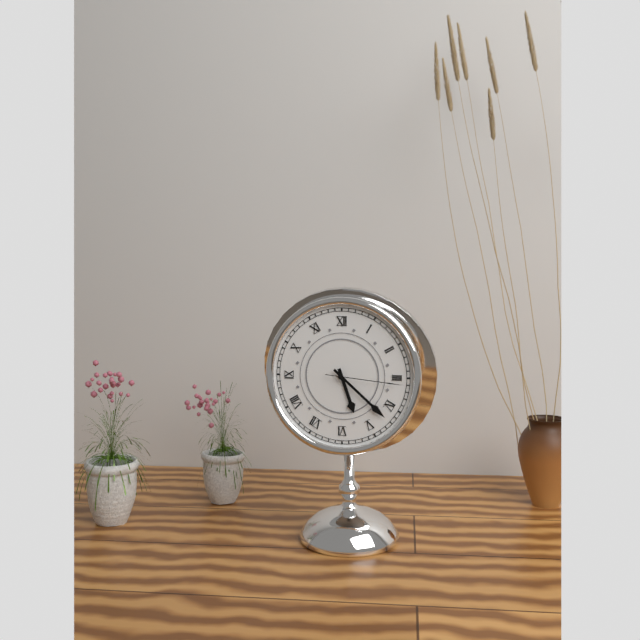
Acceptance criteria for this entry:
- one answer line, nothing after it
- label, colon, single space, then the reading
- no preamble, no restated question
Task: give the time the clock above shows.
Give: 5:22:16
